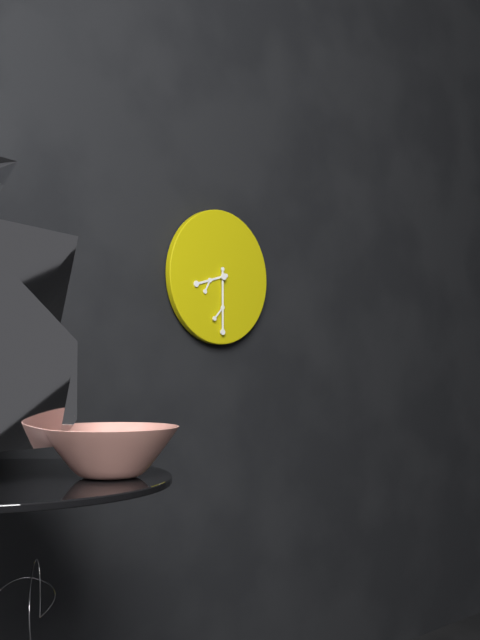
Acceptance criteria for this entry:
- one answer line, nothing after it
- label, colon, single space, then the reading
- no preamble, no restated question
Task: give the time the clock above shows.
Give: 8:30
